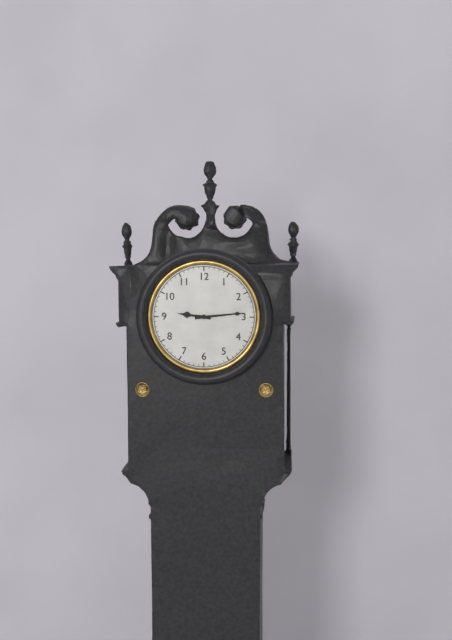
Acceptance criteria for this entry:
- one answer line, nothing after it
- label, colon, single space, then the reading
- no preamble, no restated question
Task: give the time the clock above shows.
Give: 9:14
